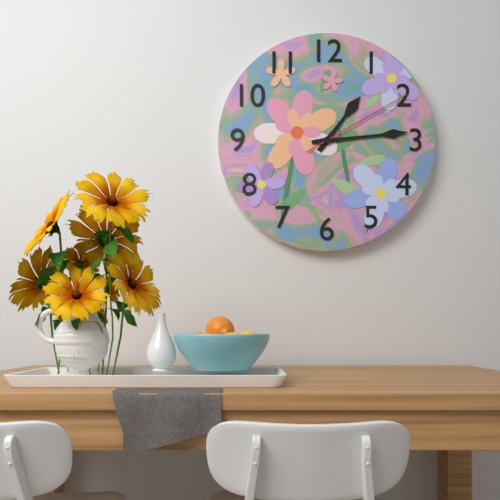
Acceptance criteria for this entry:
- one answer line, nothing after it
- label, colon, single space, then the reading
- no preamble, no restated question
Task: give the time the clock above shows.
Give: 1:14:10
